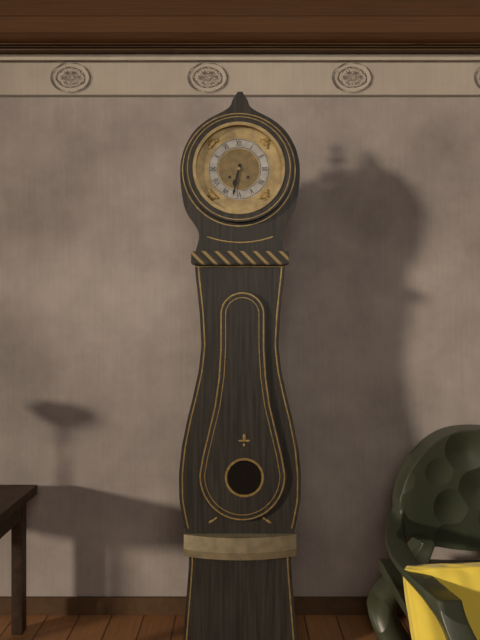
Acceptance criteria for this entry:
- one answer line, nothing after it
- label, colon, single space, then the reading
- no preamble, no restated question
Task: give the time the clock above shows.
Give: 6:32
